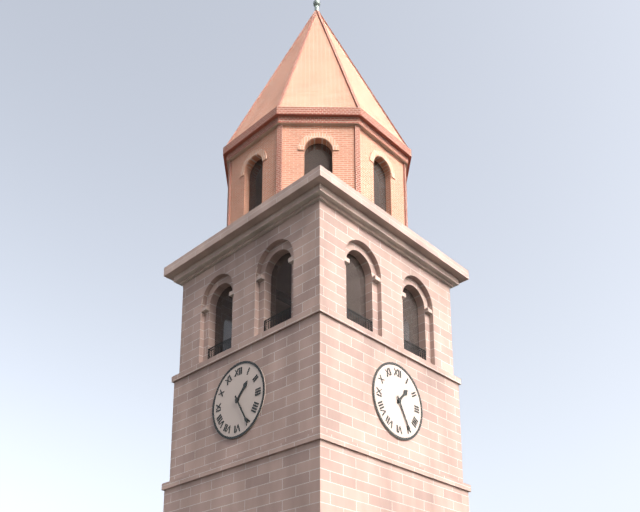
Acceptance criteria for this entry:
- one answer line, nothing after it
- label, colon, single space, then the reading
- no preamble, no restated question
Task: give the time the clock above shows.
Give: 1:25
